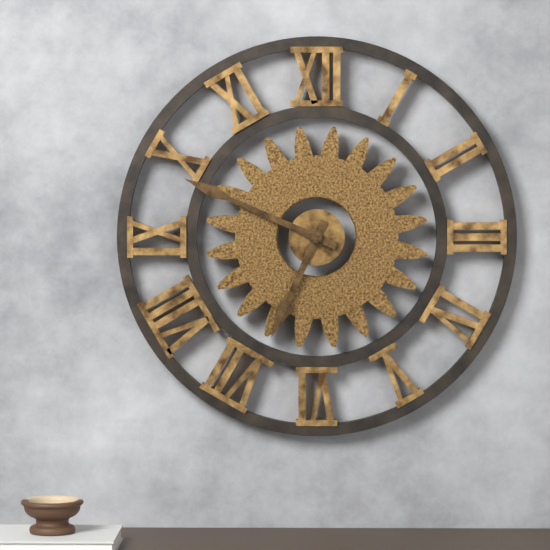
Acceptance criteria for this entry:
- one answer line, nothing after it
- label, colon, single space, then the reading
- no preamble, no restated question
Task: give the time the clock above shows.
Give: 6:49
